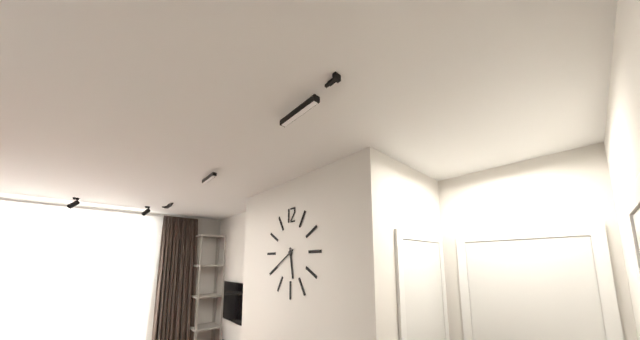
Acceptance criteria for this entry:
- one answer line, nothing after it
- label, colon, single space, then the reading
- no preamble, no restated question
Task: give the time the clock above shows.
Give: 5:40
